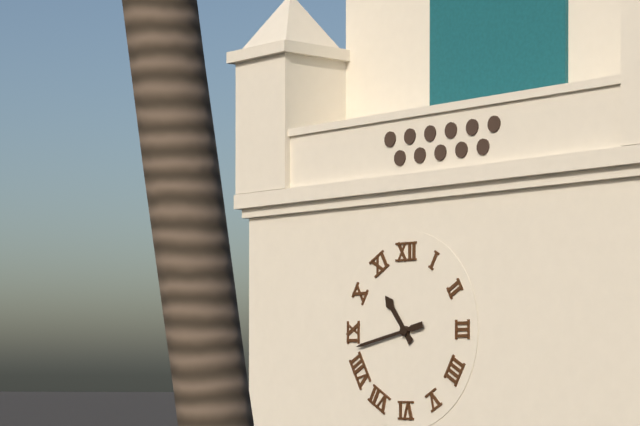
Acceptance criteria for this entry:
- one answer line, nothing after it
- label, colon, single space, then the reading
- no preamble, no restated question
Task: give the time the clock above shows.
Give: 10:43
